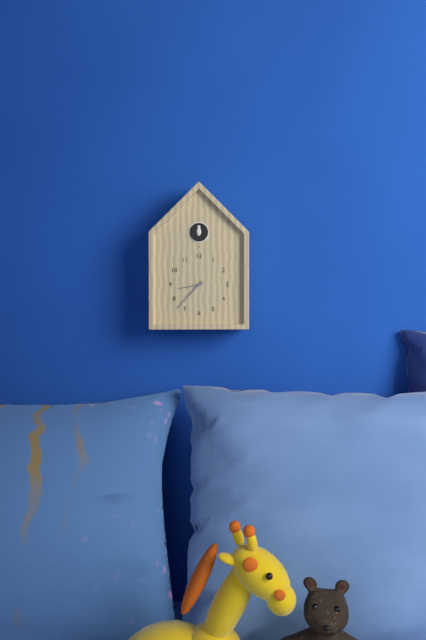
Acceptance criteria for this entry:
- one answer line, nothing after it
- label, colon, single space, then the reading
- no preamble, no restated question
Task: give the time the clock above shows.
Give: 8:37
